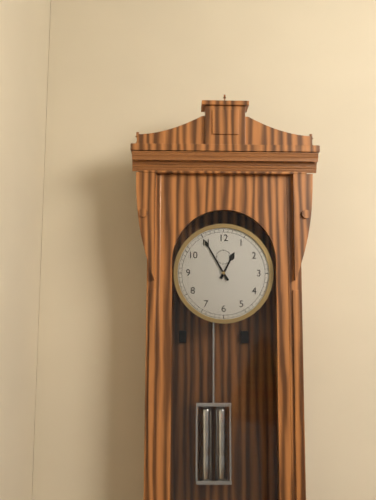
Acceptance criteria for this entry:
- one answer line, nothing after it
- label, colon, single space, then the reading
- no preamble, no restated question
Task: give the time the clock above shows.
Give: 12:55
